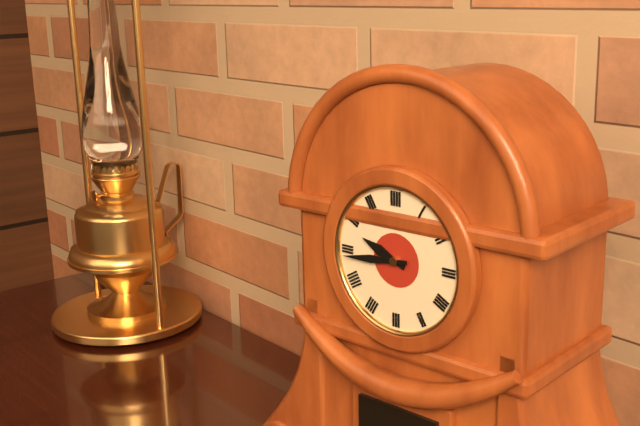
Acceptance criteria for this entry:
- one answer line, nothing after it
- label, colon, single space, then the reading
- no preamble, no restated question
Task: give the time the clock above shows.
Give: 9:44
